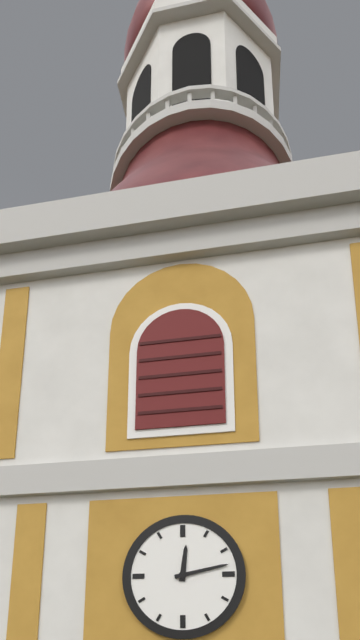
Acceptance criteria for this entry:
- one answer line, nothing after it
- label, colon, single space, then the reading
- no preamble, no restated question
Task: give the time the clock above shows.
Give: 12:13
